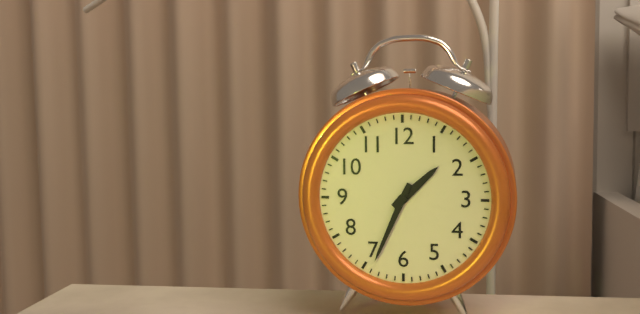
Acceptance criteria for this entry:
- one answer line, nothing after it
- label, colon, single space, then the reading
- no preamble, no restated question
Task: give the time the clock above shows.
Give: 1:34
